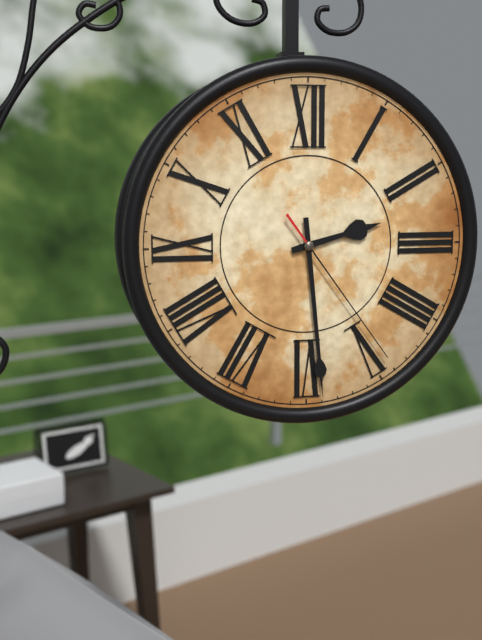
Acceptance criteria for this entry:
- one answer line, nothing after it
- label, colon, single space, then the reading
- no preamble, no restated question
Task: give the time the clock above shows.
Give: 2:29:24
